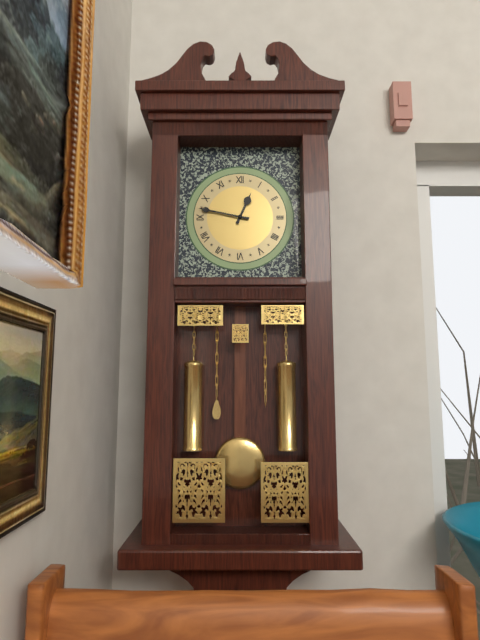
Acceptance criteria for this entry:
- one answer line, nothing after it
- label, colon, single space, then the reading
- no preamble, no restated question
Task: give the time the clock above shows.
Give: 12:47
